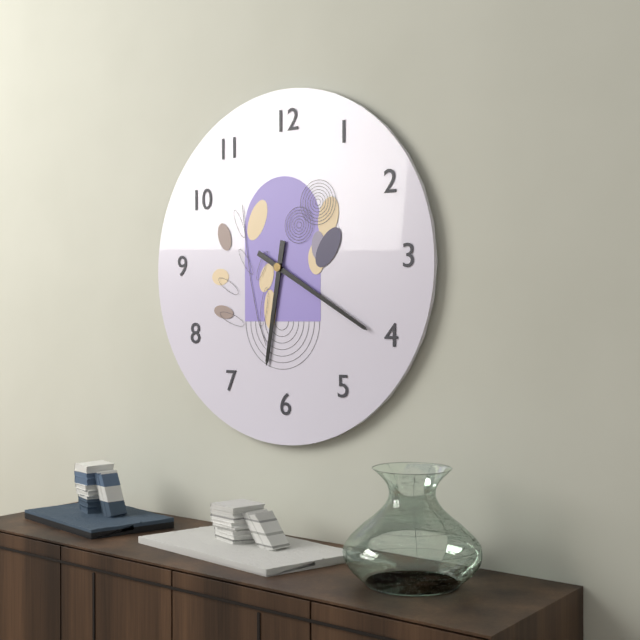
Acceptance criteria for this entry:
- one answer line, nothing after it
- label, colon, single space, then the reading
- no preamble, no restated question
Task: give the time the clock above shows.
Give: 6:20
